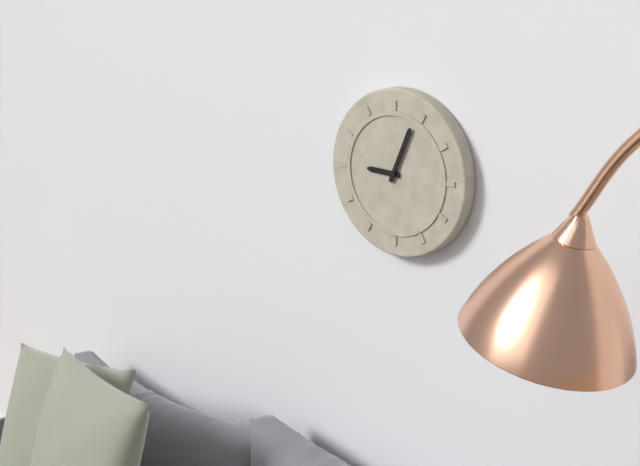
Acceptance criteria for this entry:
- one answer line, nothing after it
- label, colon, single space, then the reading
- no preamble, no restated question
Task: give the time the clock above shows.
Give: 9:04
